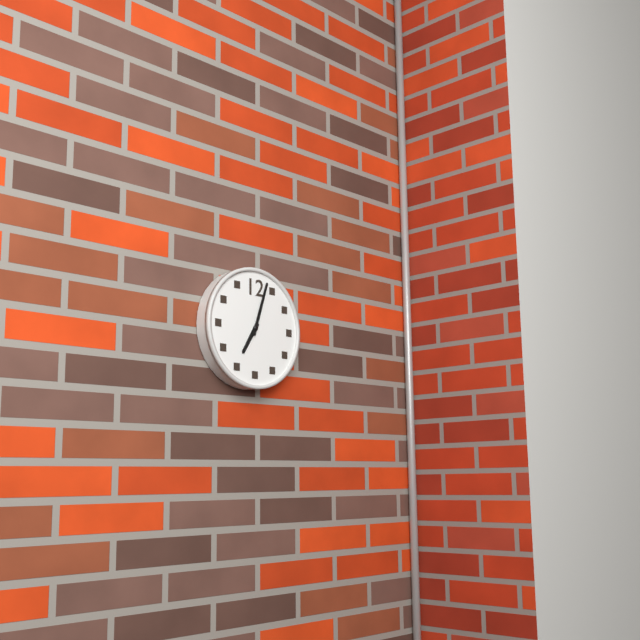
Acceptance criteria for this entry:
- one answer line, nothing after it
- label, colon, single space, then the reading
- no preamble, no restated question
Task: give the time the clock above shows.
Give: 7:03
